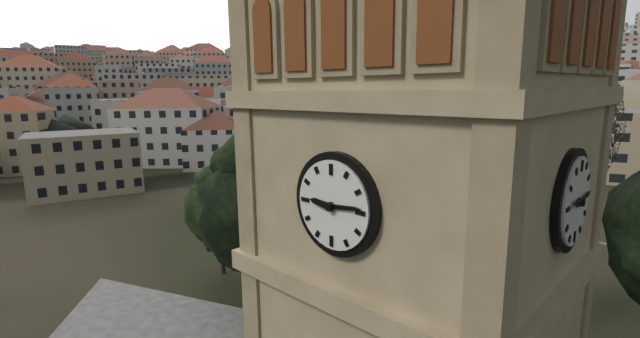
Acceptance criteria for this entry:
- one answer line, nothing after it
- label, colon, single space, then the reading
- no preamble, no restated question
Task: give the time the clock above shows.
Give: 9:14
